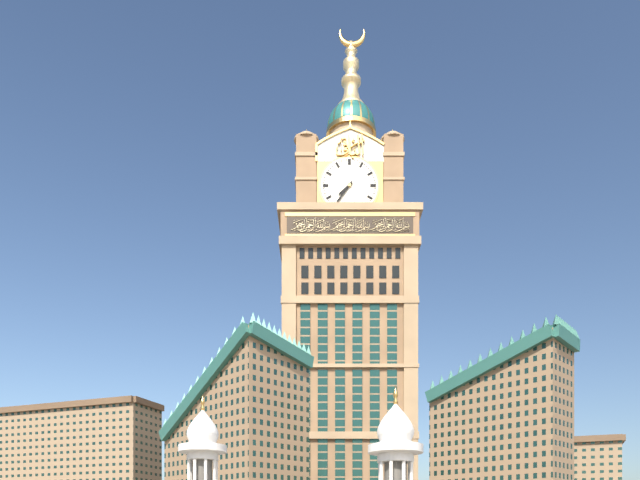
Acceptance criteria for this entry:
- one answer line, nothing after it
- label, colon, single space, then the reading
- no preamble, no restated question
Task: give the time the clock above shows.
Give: 7:36
